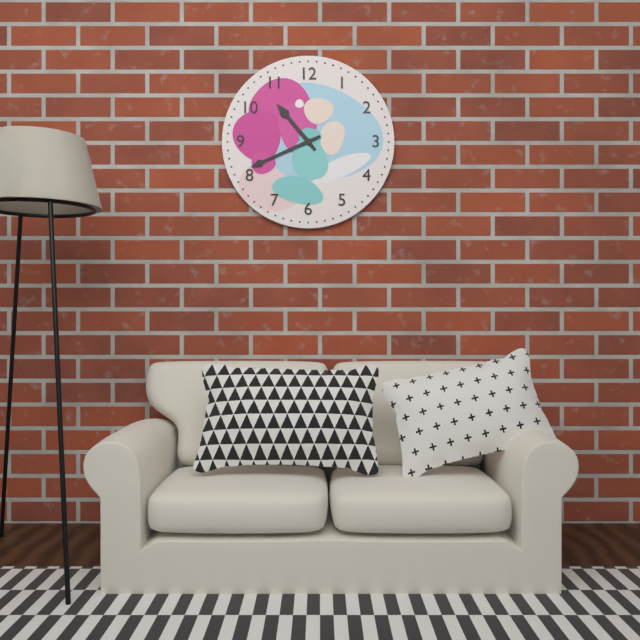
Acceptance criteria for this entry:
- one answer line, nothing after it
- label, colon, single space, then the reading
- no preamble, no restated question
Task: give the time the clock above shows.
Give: 10:41
